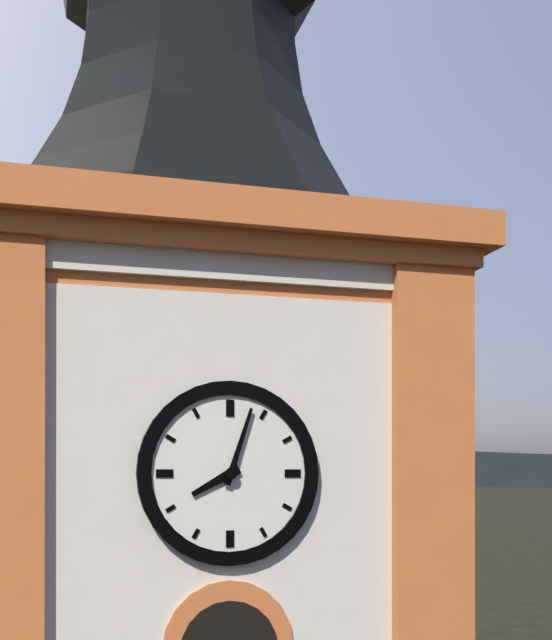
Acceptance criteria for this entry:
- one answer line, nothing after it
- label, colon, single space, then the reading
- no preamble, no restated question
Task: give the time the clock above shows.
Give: 8:03
